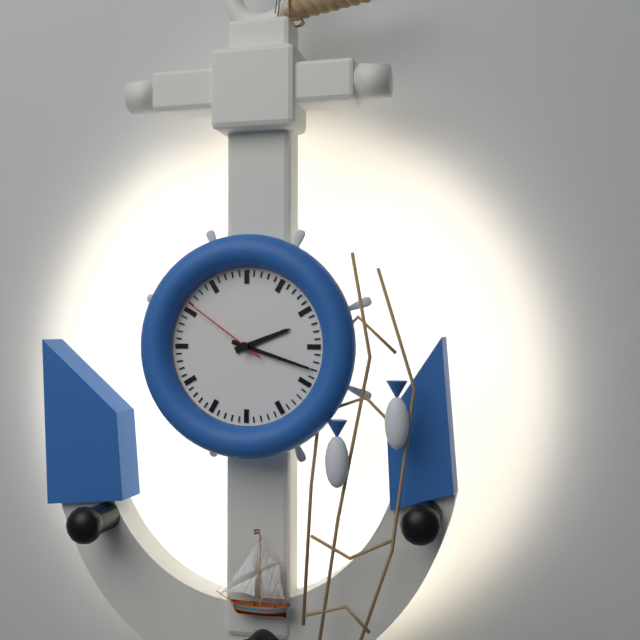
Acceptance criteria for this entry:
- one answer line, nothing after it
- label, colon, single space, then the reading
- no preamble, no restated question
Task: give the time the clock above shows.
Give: 2:18:51
